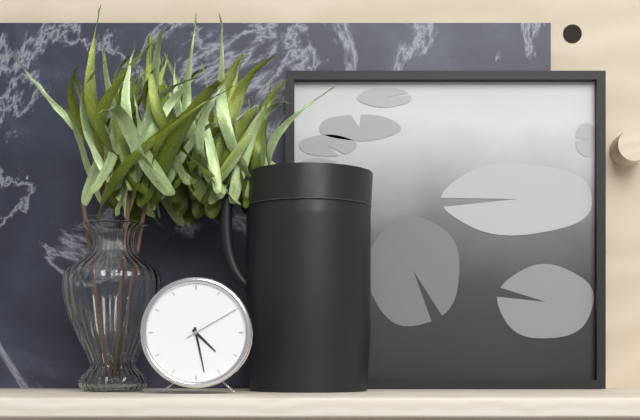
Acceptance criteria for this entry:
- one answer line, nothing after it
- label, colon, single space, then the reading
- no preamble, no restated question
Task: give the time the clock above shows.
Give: 4:28:10
